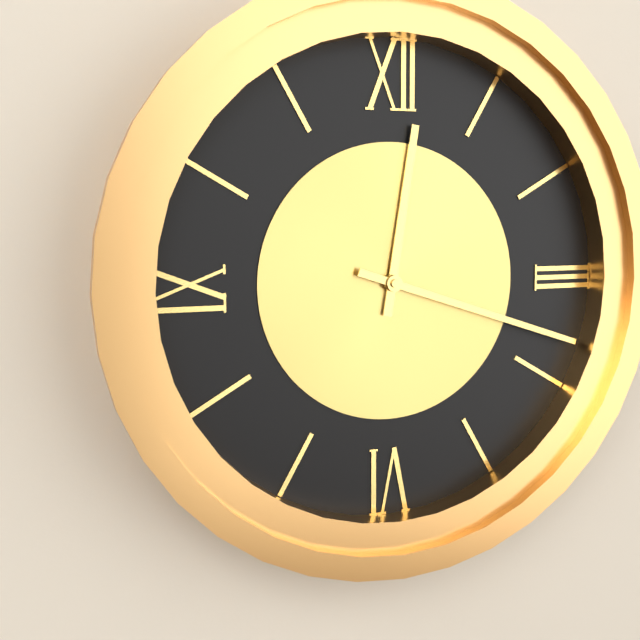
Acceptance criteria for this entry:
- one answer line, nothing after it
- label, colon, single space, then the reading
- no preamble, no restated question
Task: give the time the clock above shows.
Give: 12:18
